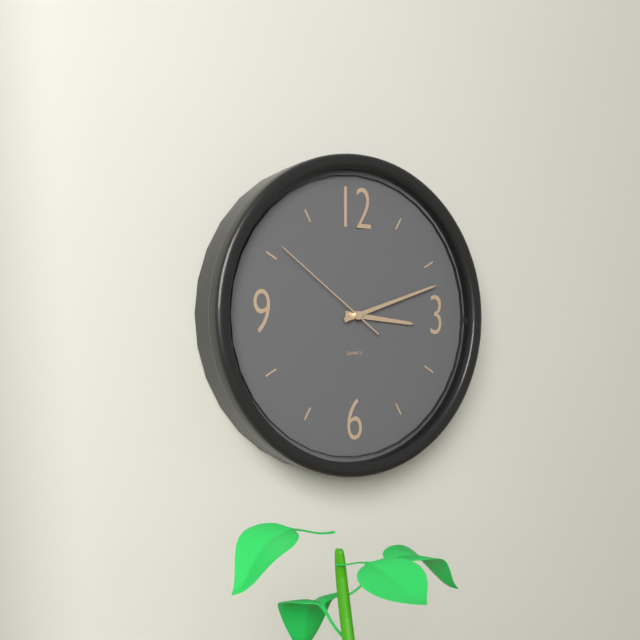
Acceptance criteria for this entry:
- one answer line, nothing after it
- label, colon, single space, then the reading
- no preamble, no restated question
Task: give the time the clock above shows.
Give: 3:12:51
